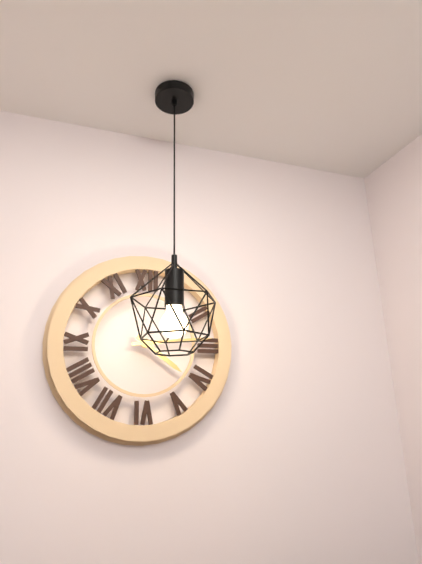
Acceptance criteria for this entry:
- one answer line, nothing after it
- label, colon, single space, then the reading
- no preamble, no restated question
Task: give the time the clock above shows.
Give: 4:14
